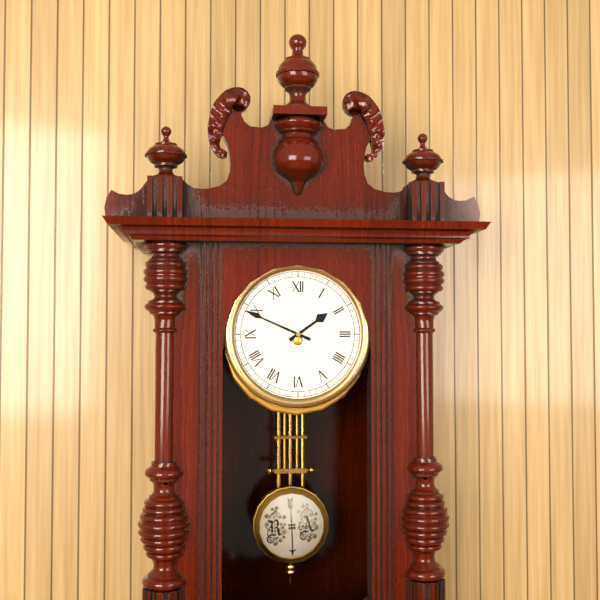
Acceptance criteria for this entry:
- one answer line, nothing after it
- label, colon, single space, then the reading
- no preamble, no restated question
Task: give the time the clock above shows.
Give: 1:49
